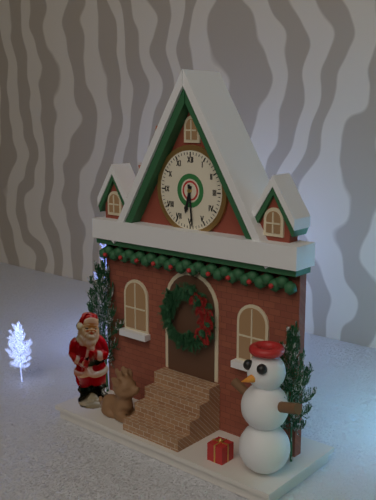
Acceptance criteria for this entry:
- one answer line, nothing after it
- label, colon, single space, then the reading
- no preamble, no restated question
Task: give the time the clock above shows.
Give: 6:29
